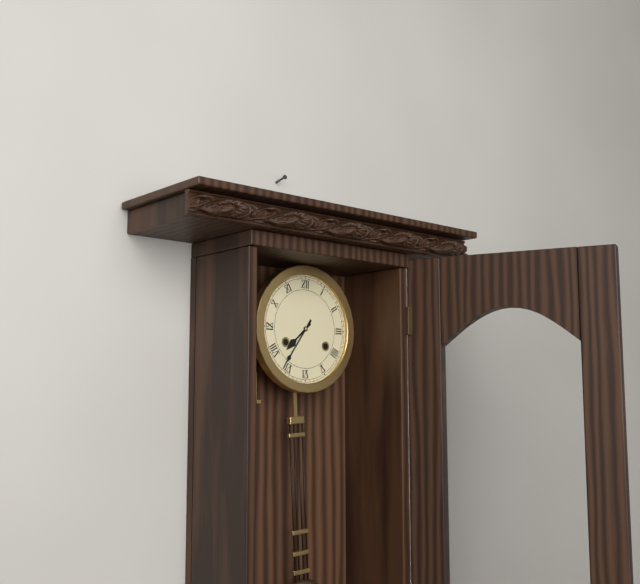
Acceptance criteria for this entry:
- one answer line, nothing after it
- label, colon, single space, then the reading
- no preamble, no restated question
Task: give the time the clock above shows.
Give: 7:36
